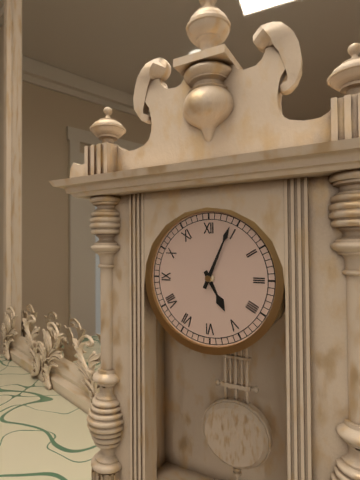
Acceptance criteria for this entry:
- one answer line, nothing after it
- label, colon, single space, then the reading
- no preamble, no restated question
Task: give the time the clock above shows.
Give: 5:04
